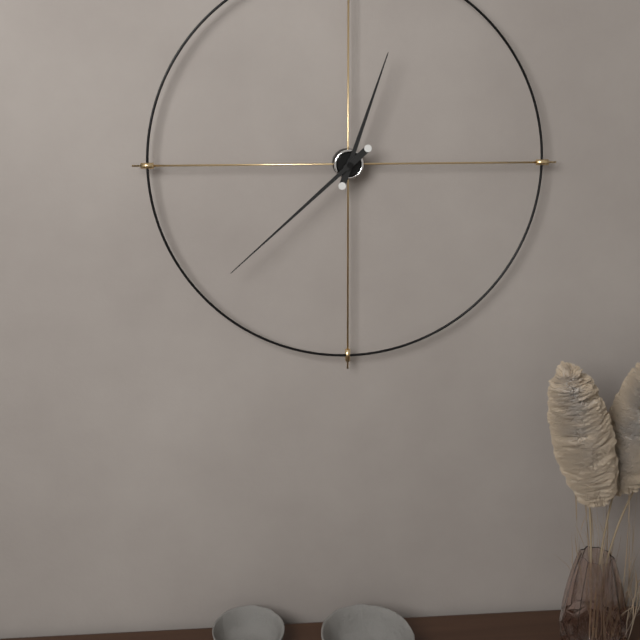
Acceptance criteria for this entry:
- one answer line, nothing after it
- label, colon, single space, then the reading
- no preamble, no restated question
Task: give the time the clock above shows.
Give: 12:38
